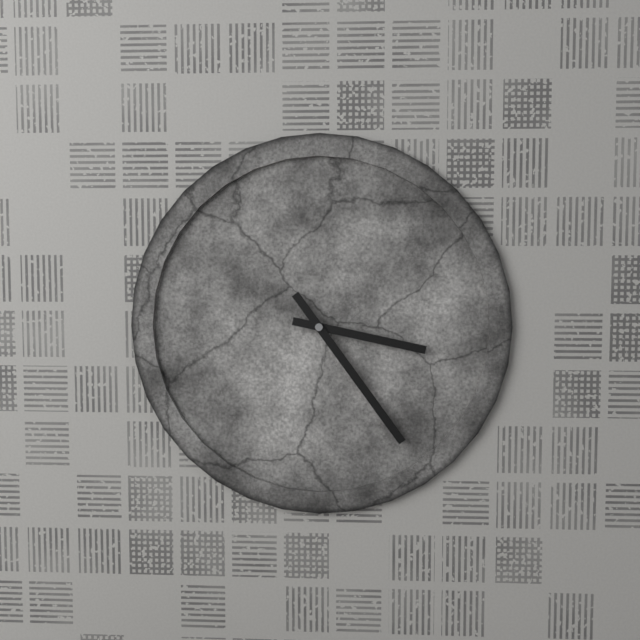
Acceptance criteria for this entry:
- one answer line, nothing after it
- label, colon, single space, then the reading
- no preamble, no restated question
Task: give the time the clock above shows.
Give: 3:24
